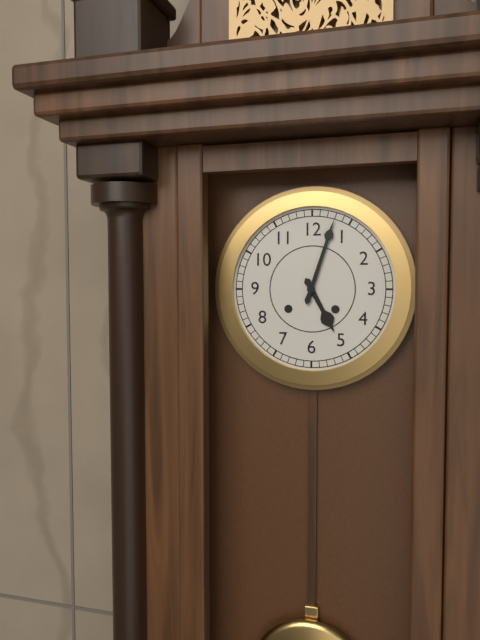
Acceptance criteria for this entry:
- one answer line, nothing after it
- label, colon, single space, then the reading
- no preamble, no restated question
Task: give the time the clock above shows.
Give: 5:03
